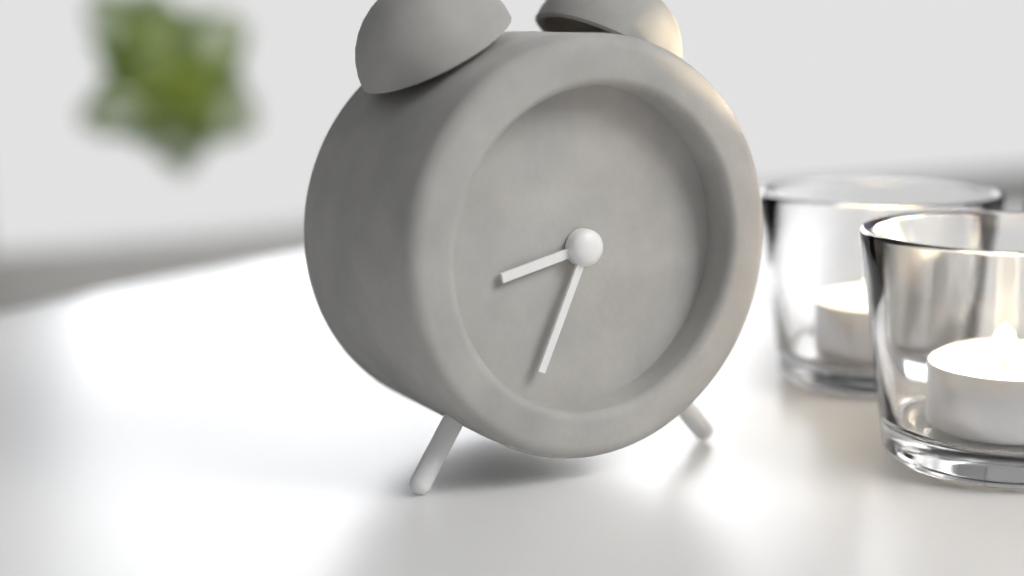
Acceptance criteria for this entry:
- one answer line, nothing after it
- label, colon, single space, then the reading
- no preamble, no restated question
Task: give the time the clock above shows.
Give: 8:34
